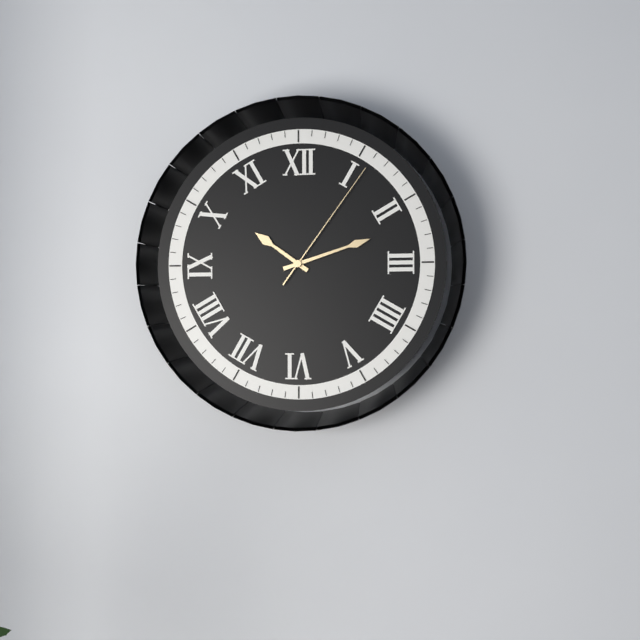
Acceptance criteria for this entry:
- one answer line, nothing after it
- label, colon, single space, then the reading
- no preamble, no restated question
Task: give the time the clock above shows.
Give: 10:12:06
